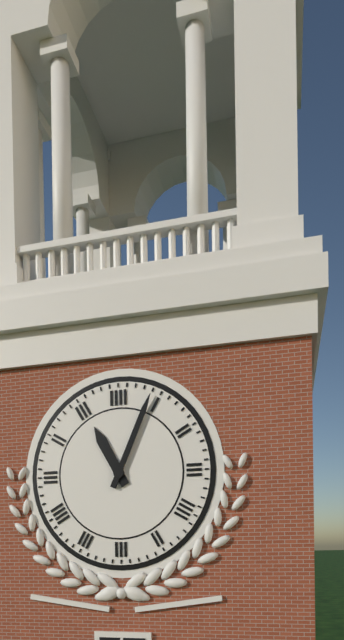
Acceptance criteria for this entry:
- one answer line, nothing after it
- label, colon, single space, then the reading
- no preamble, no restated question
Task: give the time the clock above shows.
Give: 11:04
